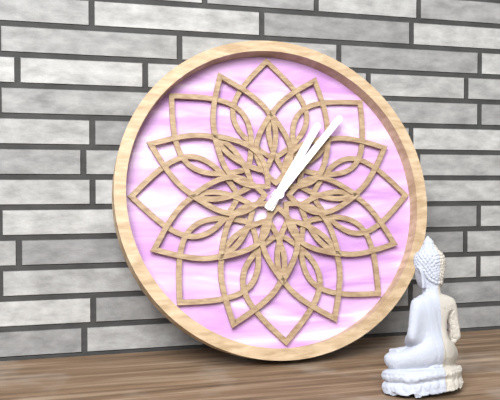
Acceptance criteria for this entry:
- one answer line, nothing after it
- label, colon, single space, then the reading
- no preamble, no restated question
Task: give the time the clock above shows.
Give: 1:07
